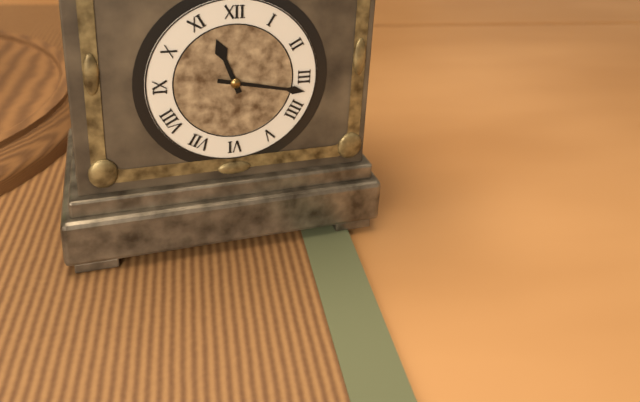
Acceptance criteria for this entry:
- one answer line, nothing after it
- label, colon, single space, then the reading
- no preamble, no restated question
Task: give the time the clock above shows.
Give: 11:17
